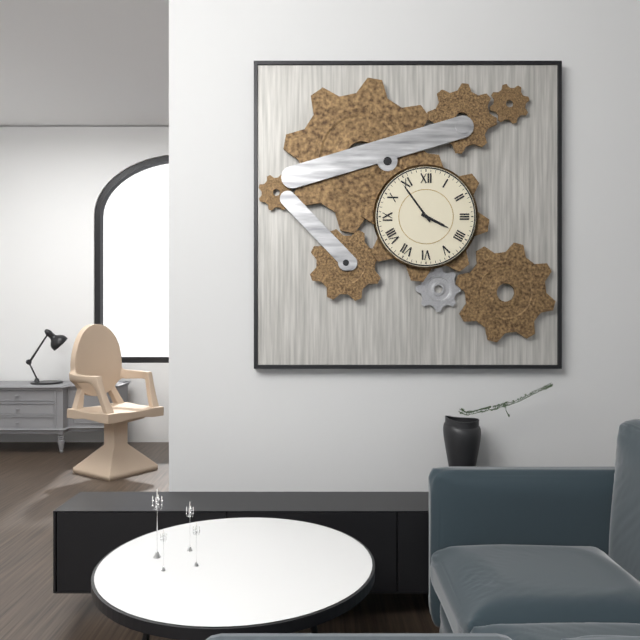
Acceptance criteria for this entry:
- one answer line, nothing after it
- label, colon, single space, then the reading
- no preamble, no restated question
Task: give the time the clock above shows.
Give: 3:54
